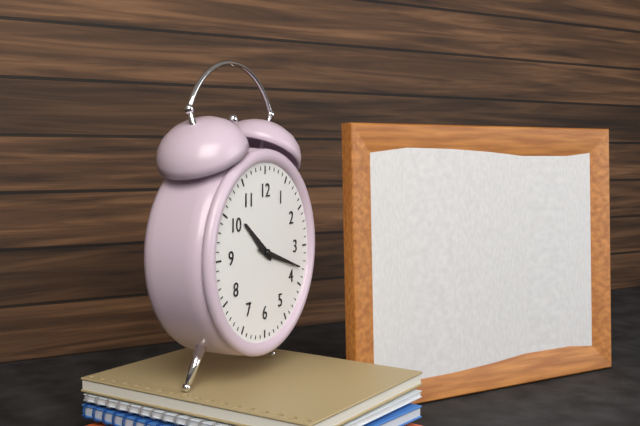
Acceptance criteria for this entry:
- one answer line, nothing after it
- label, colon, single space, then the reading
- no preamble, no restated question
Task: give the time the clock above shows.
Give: 10:18
